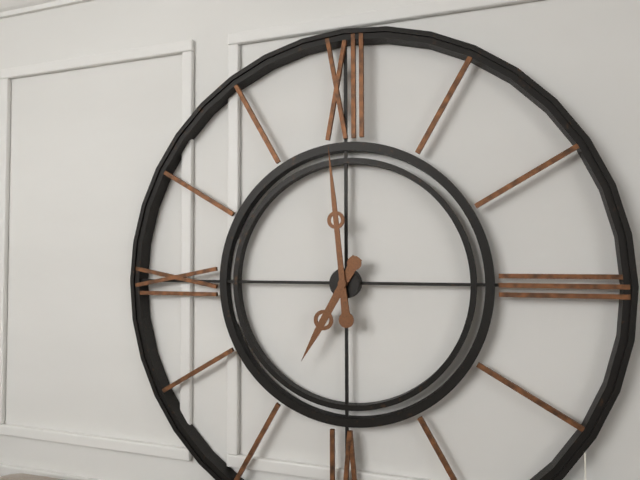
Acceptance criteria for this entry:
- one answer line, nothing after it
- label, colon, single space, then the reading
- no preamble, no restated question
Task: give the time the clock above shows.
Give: 6:59
